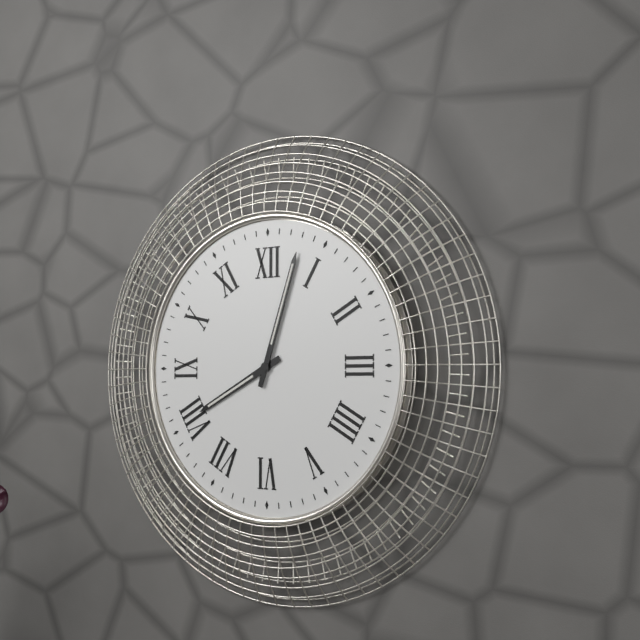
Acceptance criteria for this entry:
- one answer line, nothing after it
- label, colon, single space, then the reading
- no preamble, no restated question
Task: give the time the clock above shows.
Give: 8:03
